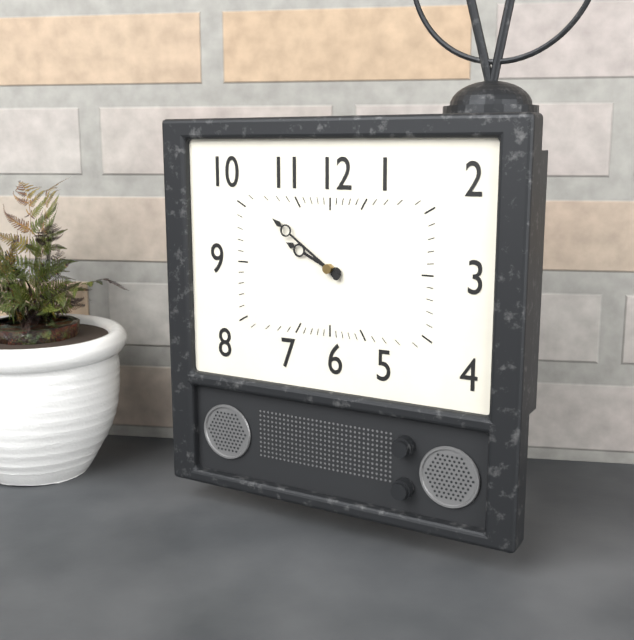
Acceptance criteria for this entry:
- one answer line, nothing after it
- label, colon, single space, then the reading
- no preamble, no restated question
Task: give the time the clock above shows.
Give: 9:51
